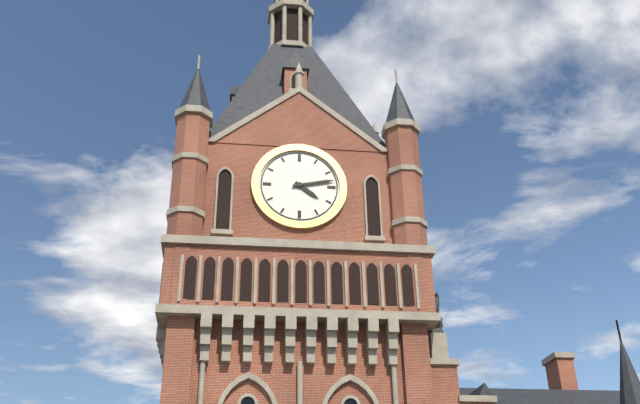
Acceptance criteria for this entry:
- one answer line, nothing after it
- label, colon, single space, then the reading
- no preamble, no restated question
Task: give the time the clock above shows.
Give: 4:13
